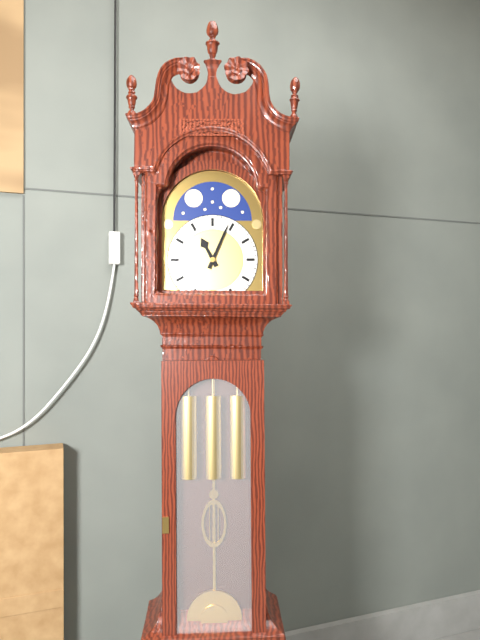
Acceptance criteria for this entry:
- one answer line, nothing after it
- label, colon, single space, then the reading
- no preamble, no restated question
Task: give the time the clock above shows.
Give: 11:04
